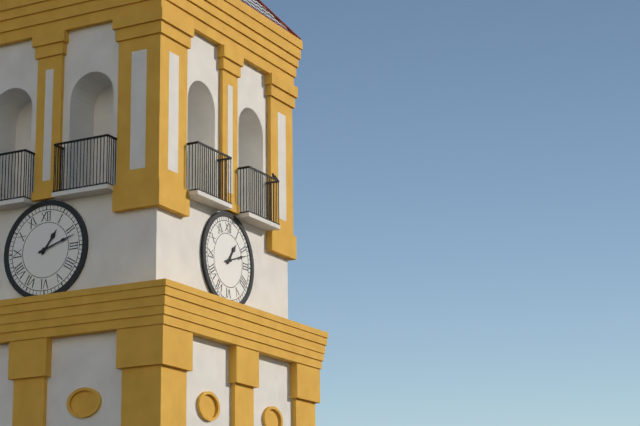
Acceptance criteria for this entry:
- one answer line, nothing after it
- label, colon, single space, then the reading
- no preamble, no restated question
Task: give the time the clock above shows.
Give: 1:12
